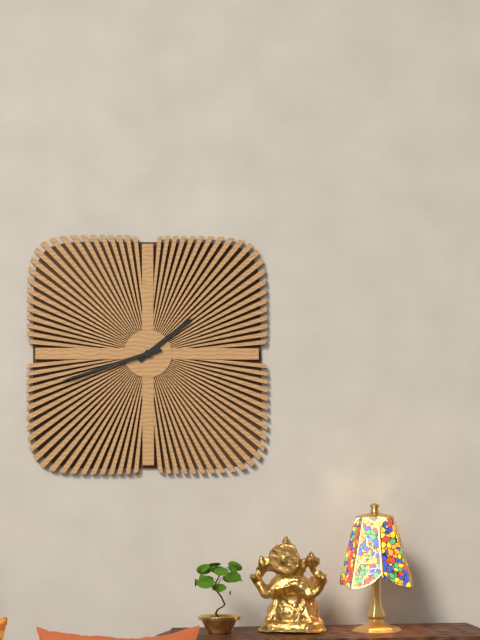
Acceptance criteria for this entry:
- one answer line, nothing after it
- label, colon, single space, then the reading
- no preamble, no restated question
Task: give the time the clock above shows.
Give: 1:42
